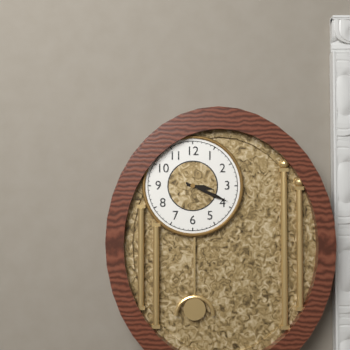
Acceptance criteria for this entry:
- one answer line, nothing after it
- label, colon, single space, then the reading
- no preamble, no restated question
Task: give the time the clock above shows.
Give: 3:19
